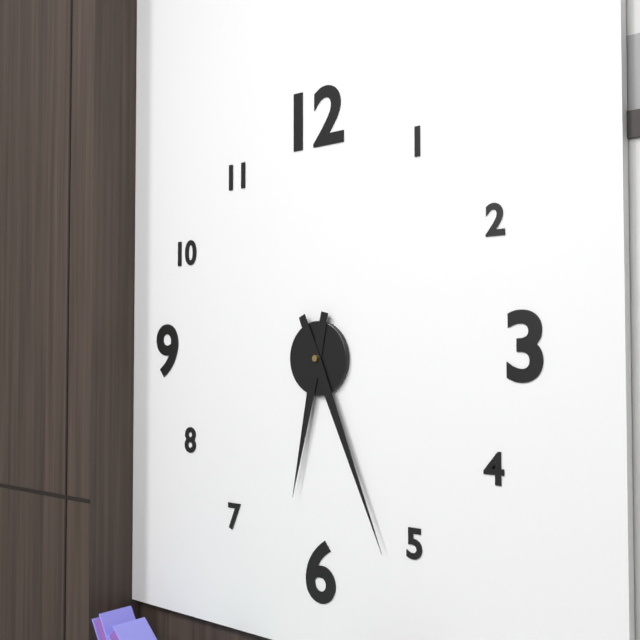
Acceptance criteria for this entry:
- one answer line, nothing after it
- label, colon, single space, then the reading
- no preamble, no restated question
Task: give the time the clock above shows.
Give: 6:26
